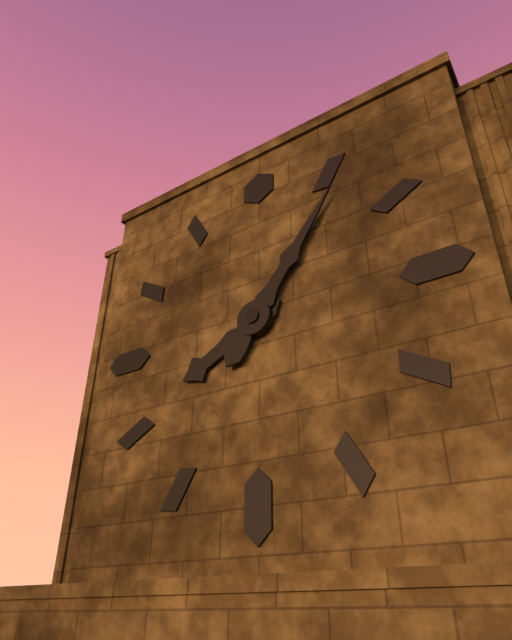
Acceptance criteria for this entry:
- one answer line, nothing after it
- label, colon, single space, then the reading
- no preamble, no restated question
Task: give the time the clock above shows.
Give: 8:06
